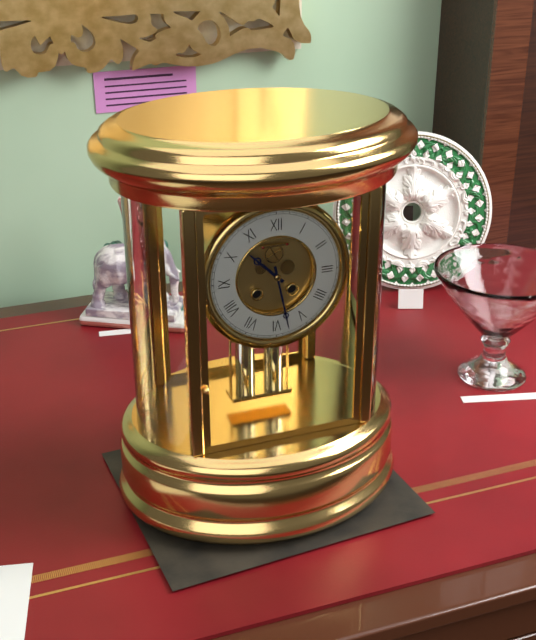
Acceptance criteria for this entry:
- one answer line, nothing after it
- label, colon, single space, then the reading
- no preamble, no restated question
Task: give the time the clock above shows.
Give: 10:28
